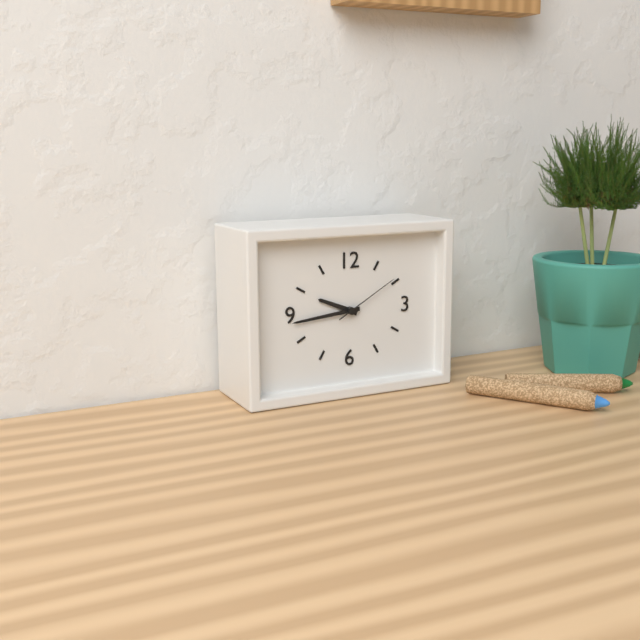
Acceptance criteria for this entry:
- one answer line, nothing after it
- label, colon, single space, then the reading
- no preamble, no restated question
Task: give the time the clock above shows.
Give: 9:44:10
